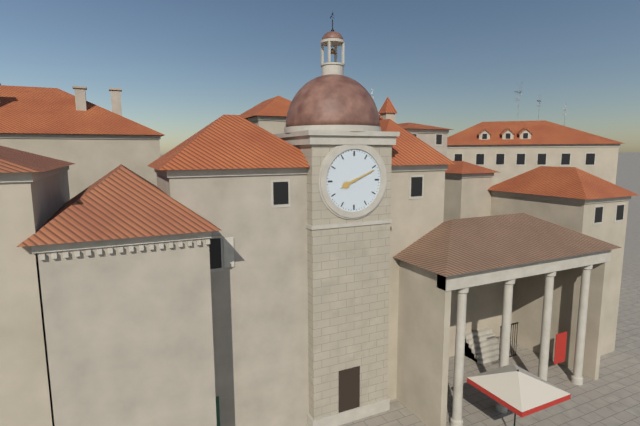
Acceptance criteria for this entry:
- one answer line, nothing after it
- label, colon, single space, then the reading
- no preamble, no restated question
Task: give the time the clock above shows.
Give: 8:11
